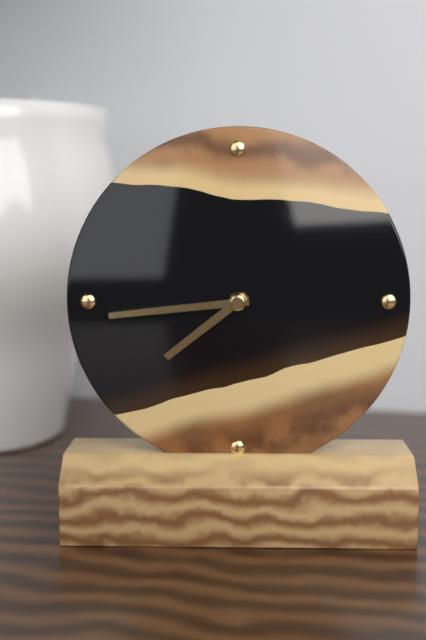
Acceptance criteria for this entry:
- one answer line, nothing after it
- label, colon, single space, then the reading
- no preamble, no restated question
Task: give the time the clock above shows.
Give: 7:44
